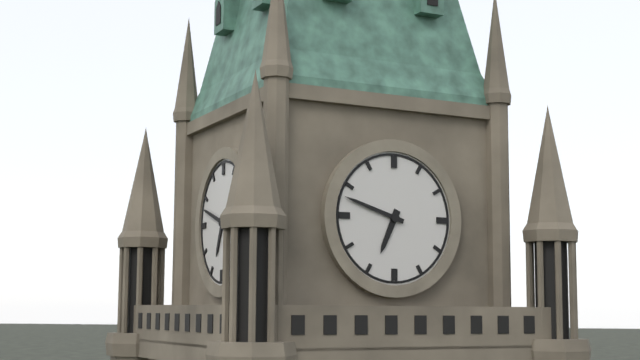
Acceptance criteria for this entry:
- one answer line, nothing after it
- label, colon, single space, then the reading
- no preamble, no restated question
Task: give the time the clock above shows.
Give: 6:48
